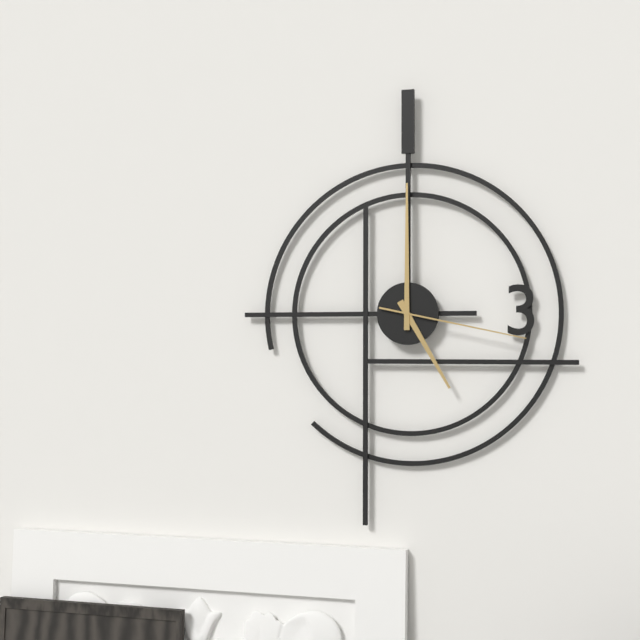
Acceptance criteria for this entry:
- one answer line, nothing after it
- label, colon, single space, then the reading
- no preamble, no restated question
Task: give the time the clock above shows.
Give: 5:00:17
